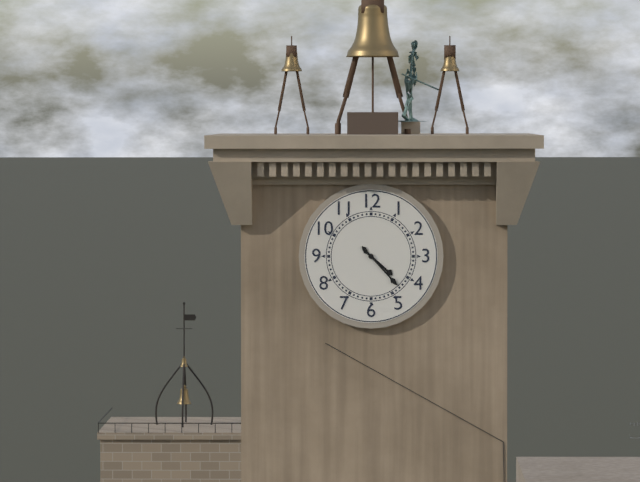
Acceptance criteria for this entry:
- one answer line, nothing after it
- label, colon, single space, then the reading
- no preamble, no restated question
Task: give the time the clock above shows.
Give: 4:23
